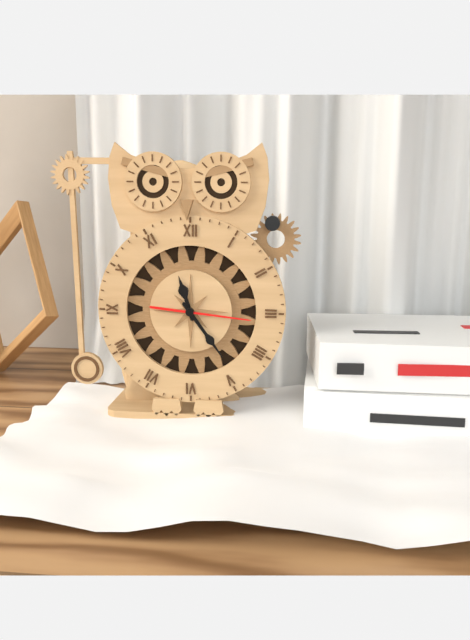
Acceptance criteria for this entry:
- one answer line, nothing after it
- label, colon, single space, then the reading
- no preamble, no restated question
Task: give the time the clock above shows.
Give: 11:24:16
